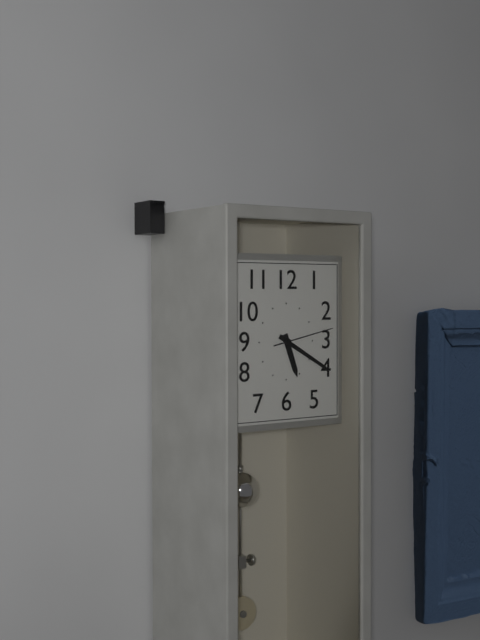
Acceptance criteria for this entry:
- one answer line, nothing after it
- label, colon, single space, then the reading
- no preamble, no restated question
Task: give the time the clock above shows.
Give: 5:20:13
